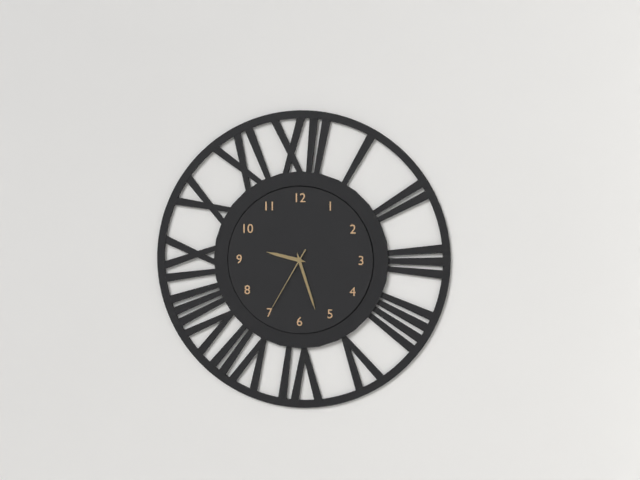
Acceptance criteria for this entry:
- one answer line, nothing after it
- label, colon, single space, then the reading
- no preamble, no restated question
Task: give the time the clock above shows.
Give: 9:27:35
